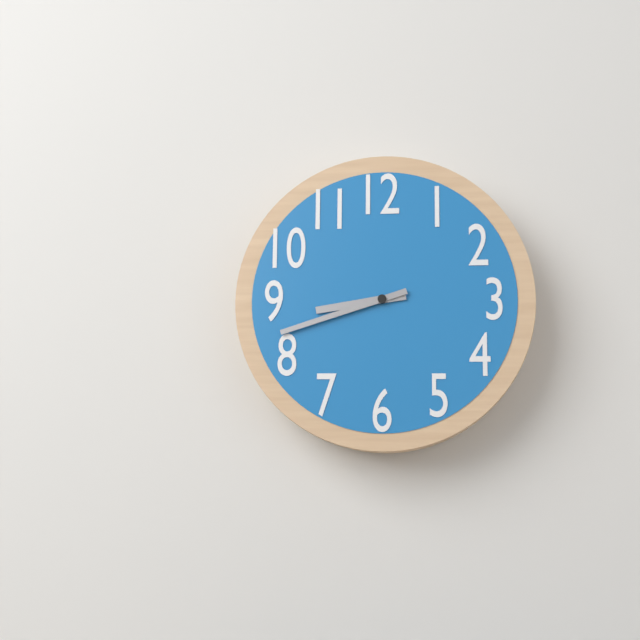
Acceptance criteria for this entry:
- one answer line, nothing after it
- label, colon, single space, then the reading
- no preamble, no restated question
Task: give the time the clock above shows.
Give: 8:42
